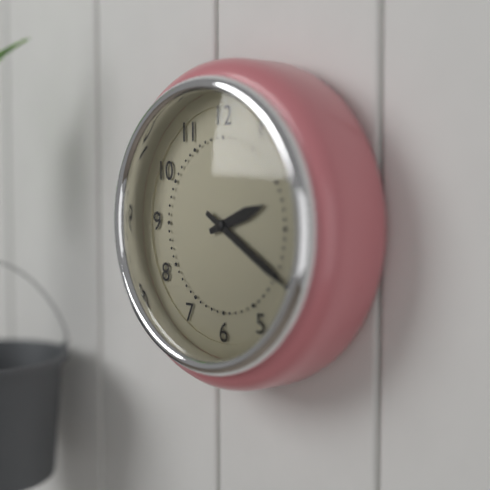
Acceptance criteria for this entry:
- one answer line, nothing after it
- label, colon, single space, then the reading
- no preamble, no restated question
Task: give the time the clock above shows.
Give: 2:20
